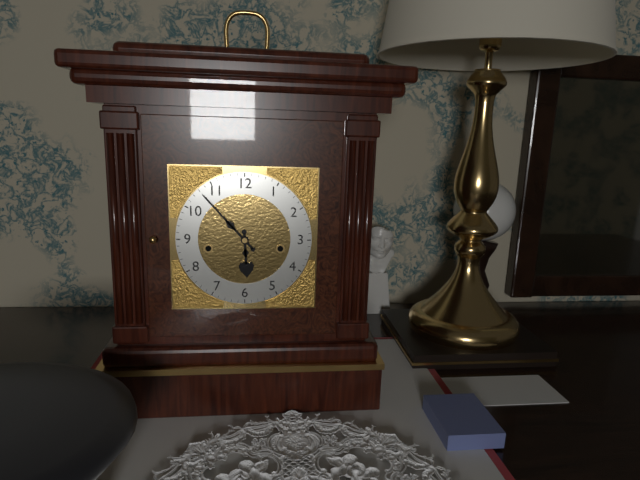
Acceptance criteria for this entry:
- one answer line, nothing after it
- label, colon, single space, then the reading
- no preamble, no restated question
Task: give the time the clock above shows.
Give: 5:53
